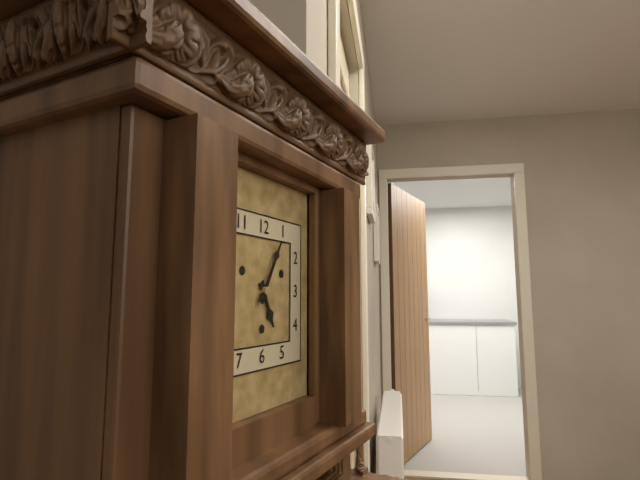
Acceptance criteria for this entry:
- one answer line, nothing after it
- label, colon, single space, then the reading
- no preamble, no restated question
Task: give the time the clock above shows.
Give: 5:05
